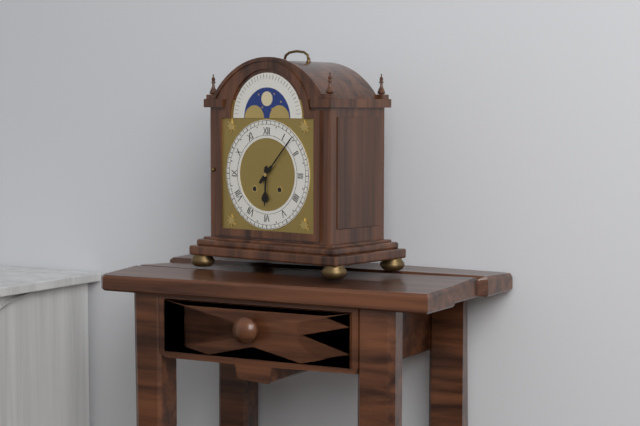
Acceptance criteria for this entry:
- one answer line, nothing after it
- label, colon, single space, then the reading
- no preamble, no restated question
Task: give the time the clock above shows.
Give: 6:07
